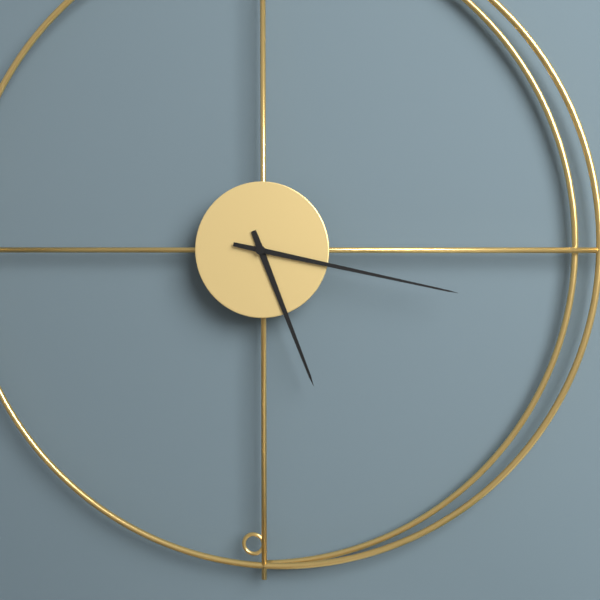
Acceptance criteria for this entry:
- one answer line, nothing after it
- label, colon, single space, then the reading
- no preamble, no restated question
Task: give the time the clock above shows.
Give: 5:17
